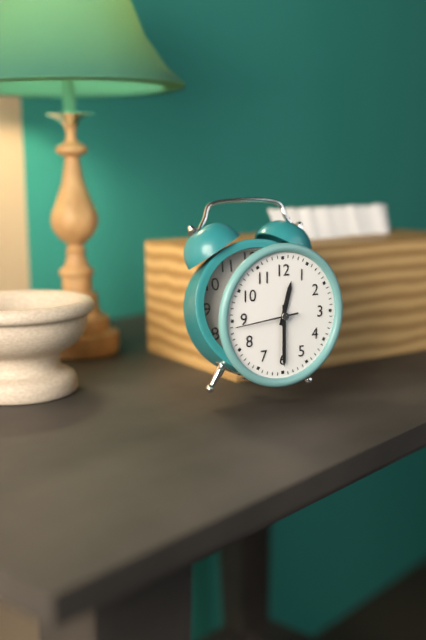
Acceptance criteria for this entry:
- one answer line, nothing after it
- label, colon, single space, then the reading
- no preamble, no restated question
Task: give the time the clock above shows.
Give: 12:30:44
